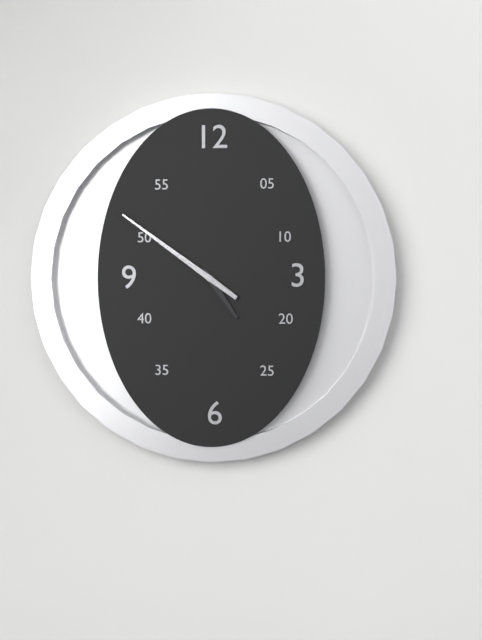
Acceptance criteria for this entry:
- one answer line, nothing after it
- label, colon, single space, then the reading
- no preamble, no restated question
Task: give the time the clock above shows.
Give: 4:51
